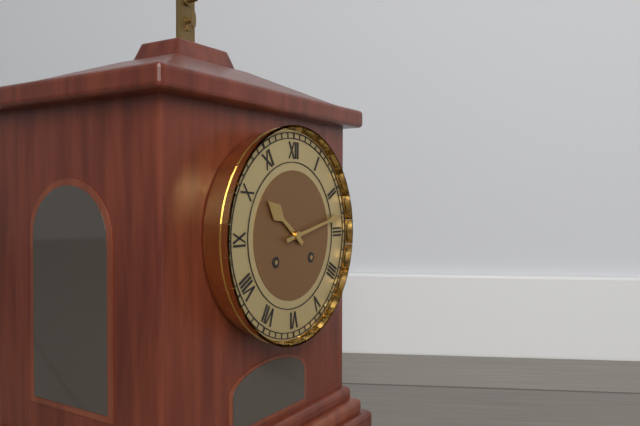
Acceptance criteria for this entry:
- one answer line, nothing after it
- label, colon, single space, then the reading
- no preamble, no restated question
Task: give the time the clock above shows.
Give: 10:13
